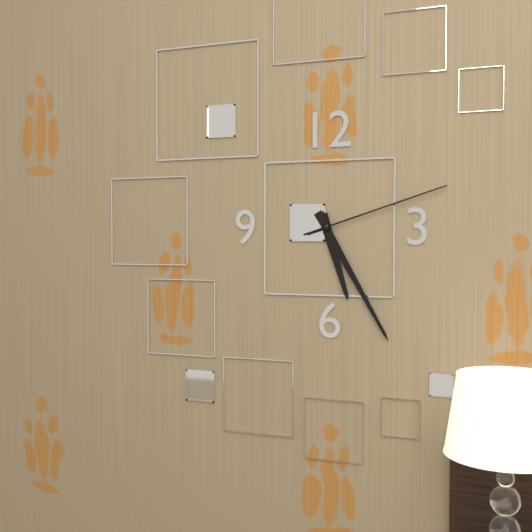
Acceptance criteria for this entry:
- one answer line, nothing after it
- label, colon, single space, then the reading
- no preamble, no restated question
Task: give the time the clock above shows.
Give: 5:25:12
